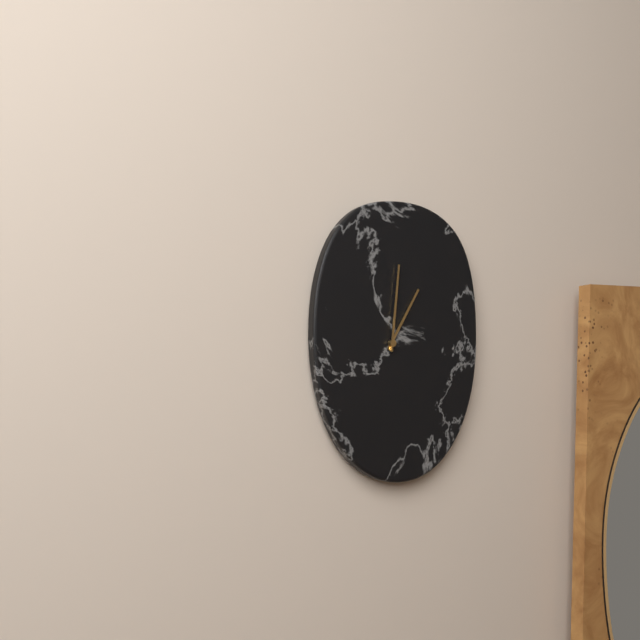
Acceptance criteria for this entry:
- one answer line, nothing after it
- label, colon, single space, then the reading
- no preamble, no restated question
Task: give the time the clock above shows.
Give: 1:01
